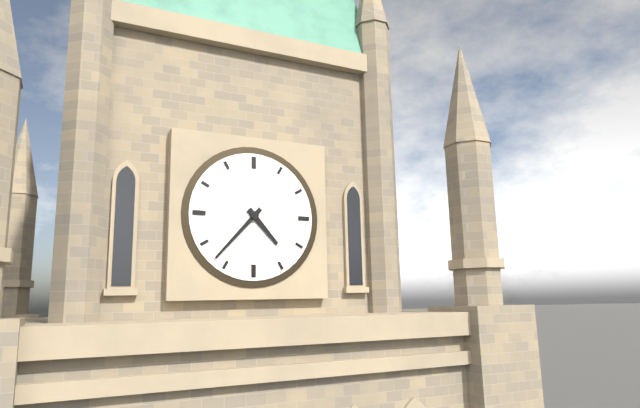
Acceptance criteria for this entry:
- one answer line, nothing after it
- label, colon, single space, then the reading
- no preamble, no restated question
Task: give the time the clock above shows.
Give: 4:37
